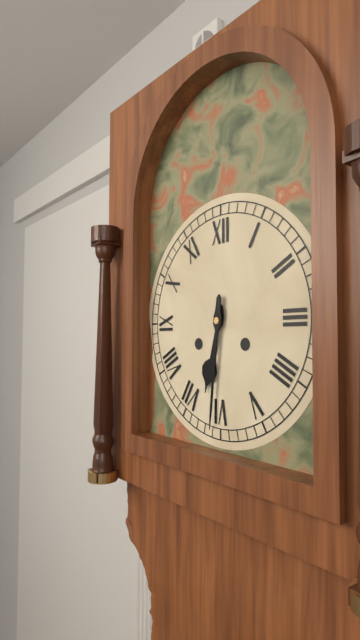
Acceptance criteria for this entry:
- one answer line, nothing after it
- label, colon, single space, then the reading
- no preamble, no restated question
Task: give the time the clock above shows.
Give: 6:31
